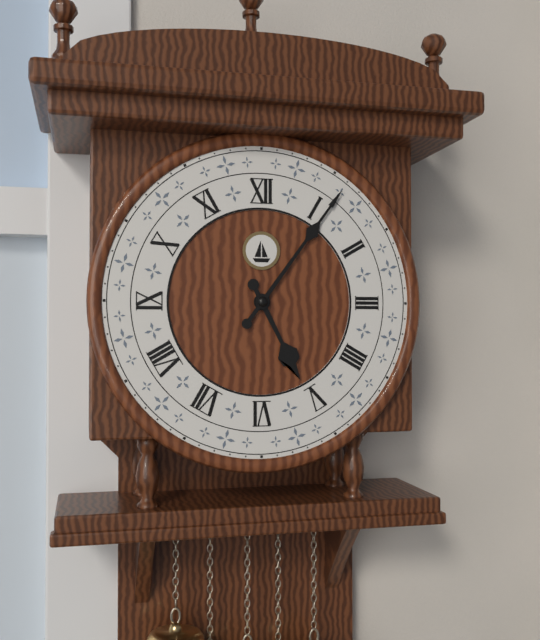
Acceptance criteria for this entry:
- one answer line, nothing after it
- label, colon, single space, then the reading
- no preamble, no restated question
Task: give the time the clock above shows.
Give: 5:06
